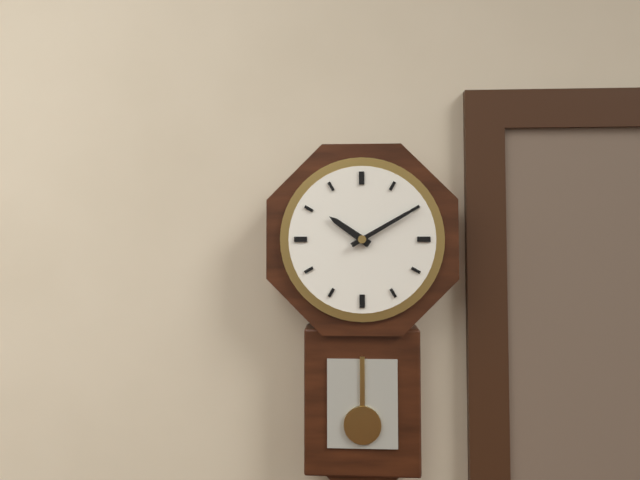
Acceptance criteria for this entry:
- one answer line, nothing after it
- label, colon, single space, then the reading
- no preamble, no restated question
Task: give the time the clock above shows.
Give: 10:10
